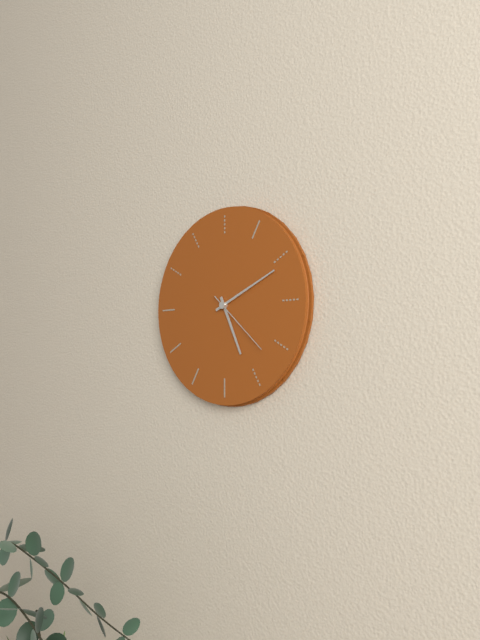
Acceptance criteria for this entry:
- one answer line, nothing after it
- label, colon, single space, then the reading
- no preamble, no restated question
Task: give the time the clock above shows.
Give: 5:11:22
